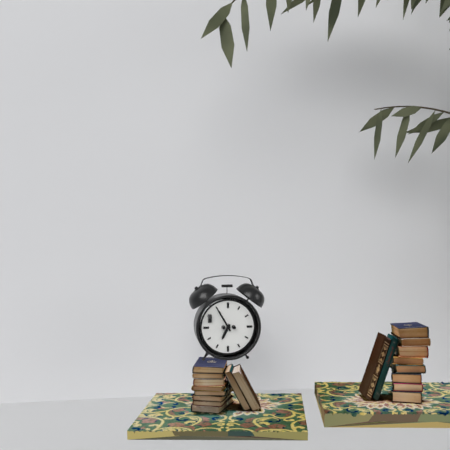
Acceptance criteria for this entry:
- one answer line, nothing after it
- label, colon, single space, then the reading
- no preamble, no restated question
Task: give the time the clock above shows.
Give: 6:55
